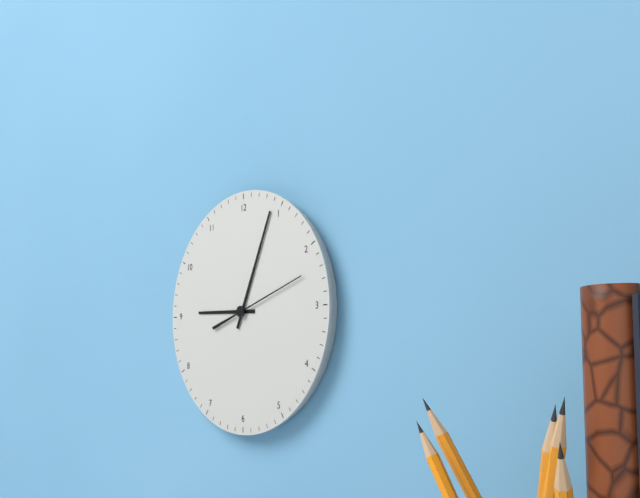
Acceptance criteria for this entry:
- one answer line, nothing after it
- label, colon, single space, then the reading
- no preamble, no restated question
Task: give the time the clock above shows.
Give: 9:04:12
